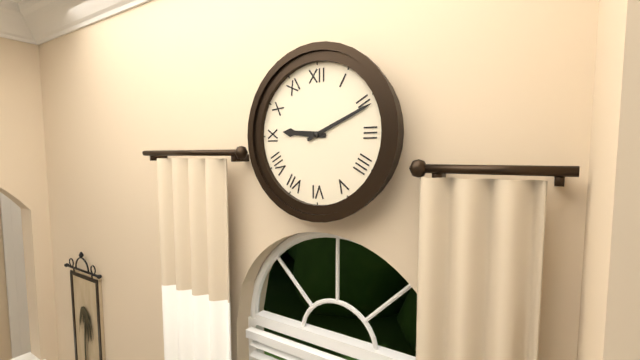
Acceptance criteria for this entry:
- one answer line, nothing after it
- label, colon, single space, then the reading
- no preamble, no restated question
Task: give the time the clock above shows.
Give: 9:11
